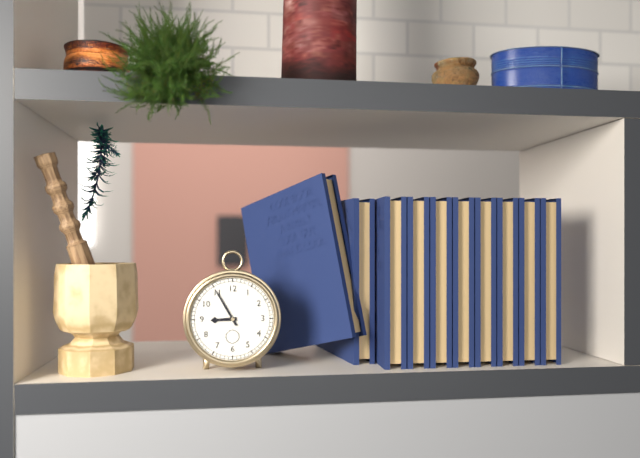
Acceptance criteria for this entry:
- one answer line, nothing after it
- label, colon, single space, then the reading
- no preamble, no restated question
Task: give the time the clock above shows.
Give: 8:55
